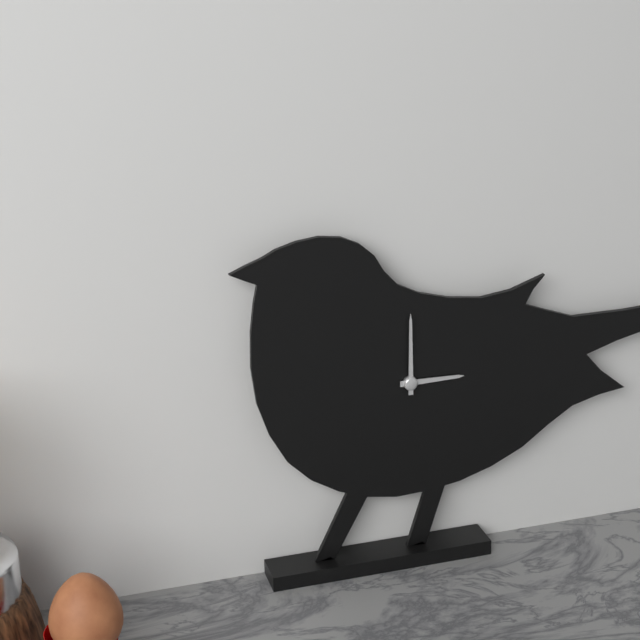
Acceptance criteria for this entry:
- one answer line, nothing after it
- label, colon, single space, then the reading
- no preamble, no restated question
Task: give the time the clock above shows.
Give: 3:00
